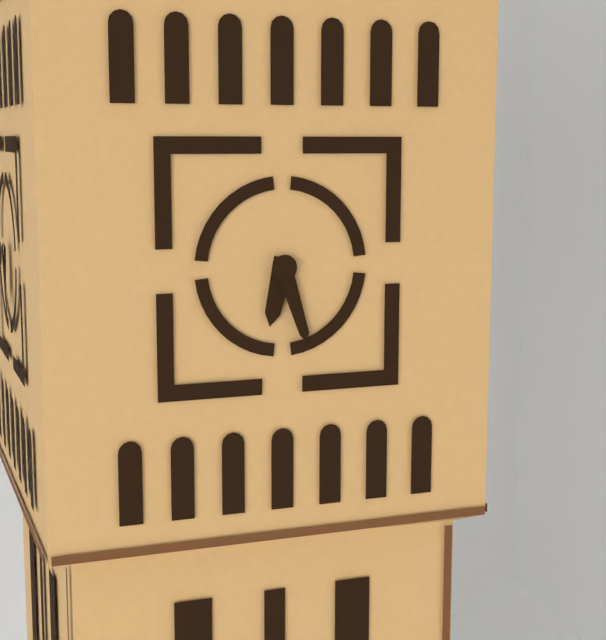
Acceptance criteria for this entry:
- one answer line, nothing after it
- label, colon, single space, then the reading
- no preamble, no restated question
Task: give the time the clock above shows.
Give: 6:27
